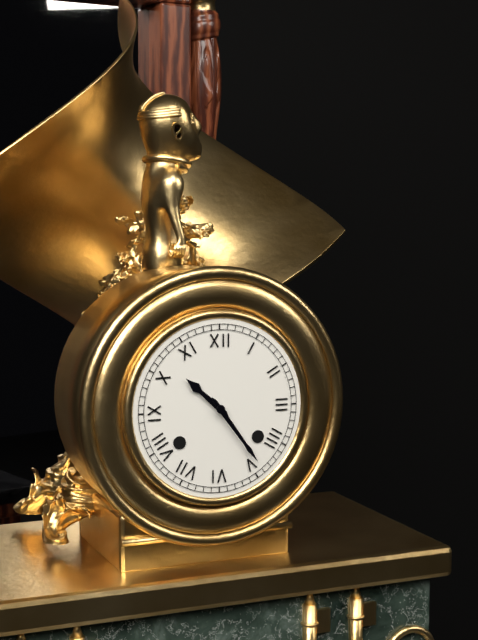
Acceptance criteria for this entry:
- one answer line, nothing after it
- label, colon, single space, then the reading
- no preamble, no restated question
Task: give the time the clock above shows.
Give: 10:24
